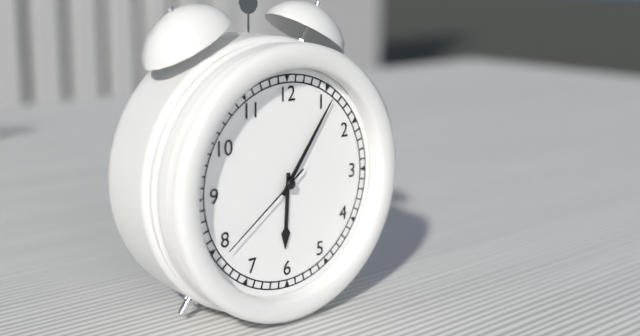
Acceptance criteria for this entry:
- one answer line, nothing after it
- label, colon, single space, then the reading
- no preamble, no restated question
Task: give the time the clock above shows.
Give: 6:06:39
